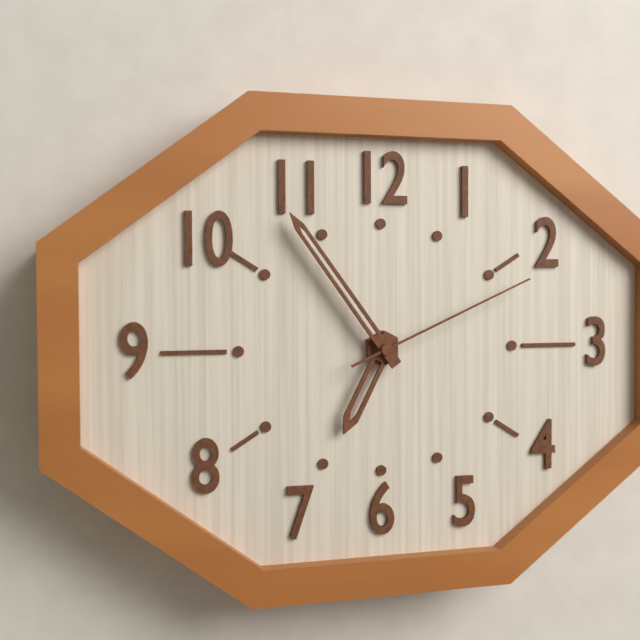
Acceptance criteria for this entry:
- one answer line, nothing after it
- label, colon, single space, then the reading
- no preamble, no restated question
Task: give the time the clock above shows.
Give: 6:54:11
